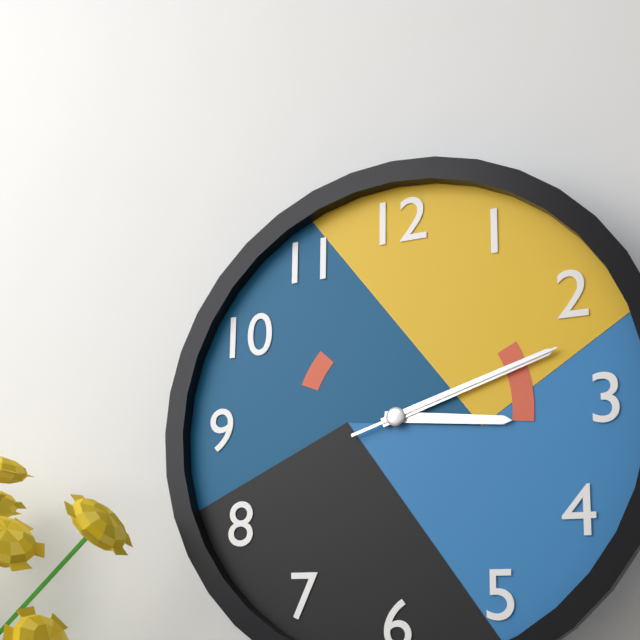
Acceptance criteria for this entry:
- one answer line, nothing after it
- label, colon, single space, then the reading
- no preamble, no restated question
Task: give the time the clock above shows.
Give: 3:12:12
